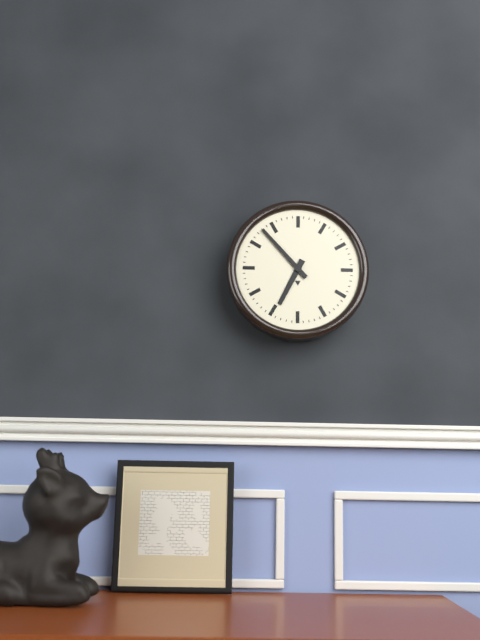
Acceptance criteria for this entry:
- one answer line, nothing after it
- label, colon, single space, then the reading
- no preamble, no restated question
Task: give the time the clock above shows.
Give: 6:53
